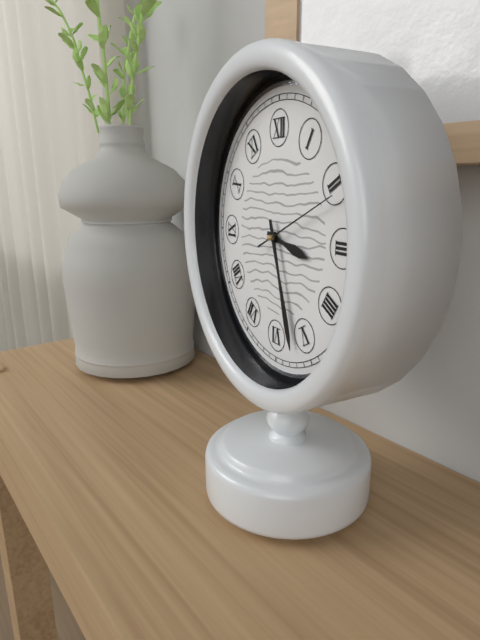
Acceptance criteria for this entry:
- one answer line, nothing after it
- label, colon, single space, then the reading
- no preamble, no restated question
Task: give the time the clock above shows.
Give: 3:27:11
